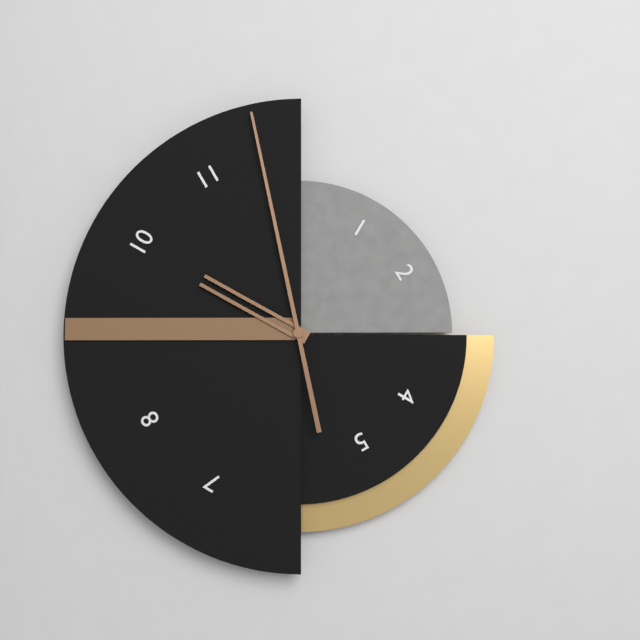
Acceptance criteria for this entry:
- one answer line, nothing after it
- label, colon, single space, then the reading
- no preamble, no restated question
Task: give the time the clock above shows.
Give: 9:58
